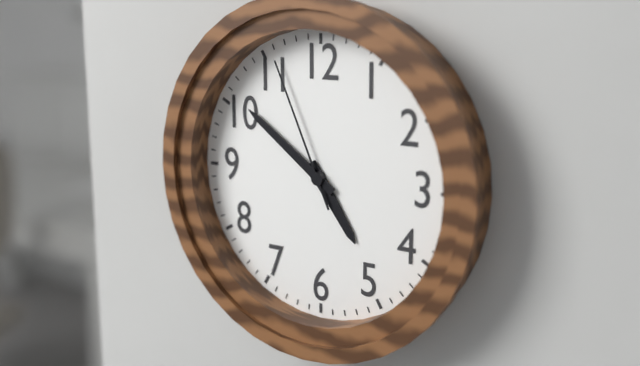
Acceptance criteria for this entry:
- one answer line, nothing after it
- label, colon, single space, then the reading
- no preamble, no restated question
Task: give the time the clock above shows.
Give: 4:51:56
